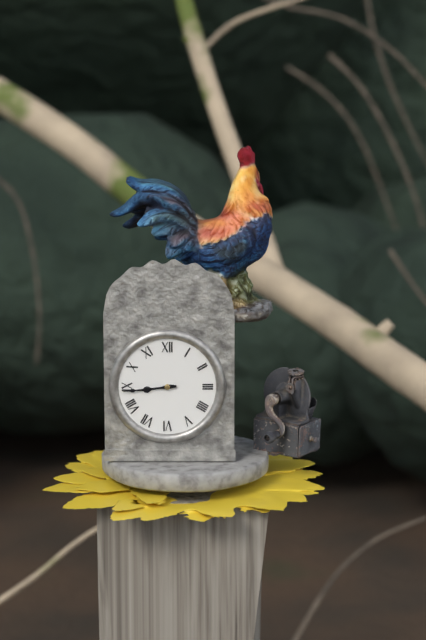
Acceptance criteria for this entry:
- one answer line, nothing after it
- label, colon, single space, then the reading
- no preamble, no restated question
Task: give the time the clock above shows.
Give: 8:44
